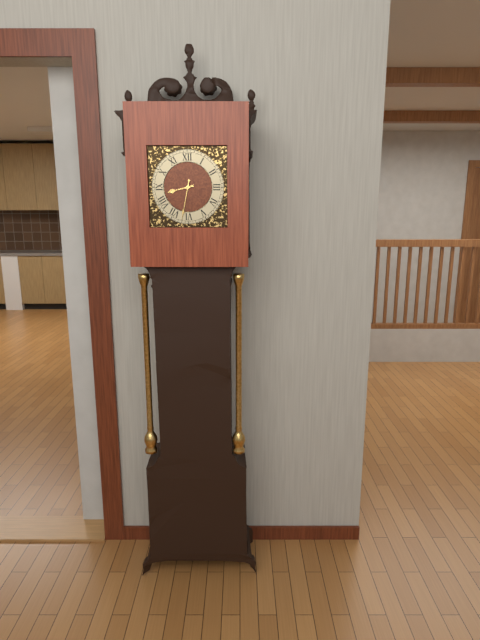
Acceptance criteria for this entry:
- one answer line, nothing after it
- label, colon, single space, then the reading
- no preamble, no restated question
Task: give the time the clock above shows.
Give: 8:32
